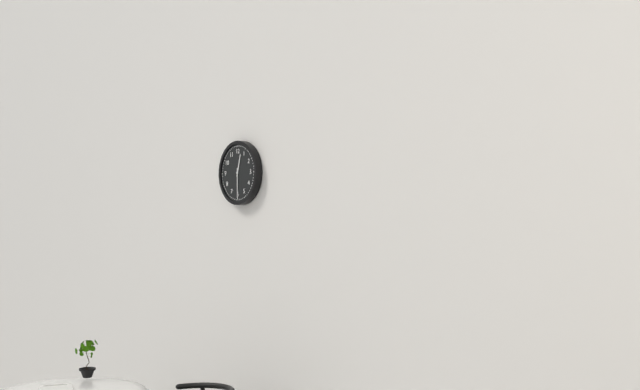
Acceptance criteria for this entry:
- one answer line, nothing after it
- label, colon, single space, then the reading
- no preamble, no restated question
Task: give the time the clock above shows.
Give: 12:30
